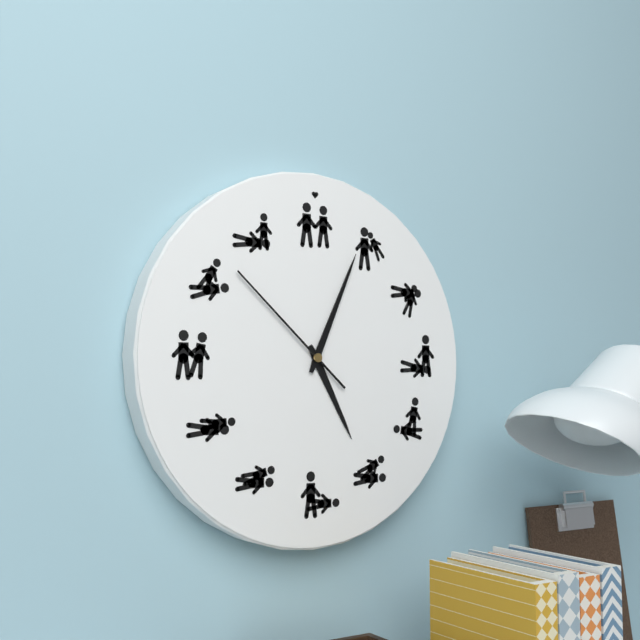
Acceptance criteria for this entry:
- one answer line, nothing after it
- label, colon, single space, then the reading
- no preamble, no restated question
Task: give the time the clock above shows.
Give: 5:04:52
